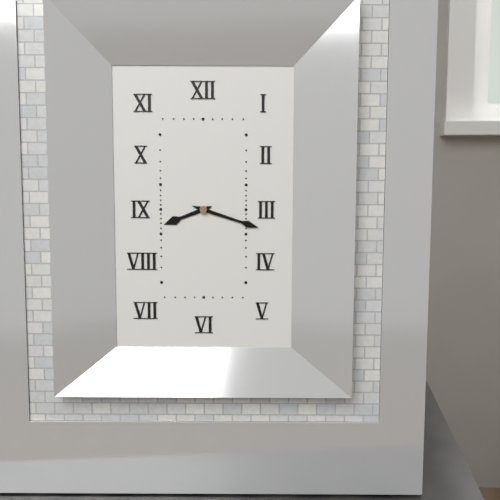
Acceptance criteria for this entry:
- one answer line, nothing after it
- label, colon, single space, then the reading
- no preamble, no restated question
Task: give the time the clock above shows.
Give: 8:18
